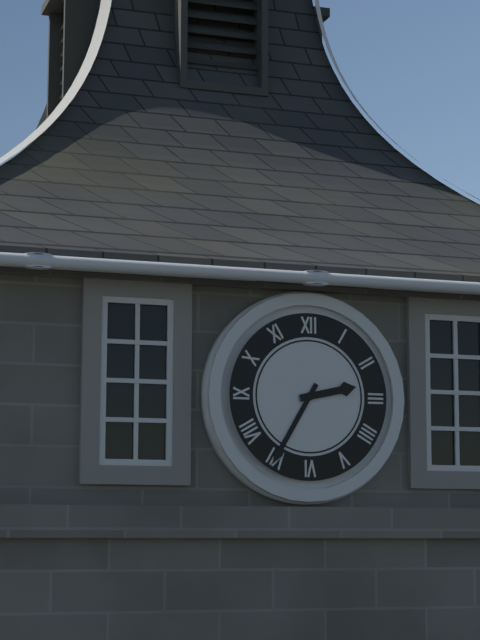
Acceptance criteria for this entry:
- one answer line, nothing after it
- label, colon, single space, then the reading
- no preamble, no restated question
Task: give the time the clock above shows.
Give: 2:35
